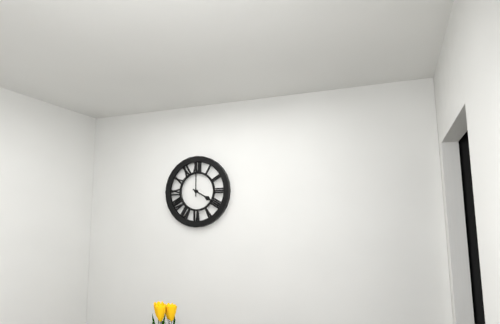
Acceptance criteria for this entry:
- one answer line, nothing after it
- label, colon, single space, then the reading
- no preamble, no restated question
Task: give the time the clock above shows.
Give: 4:00
